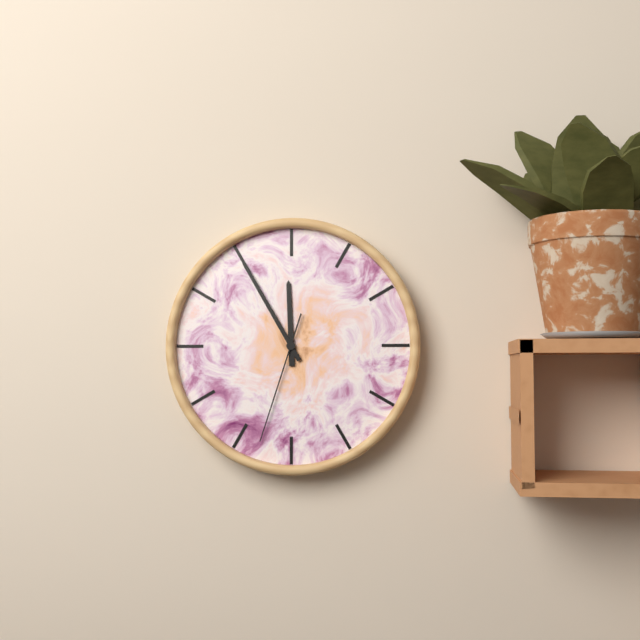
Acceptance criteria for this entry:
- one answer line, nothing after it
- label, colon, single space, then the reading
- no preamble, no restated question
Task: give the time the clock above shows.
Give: 11:55:33
